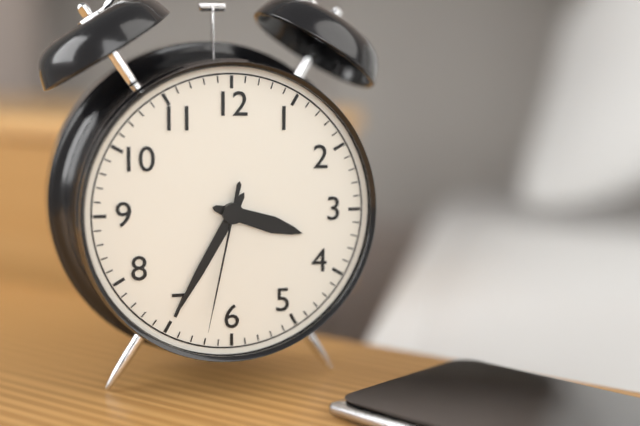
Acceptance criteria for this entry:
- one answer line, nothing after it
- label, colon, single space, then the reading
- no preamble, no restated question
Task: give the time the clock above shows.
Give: 3:35:32
